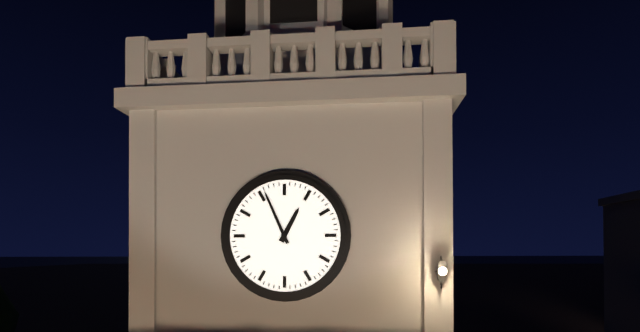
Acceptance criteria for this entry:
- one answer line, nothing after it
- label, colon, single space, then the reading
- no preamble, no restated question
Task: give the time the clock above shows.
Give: 12:56
